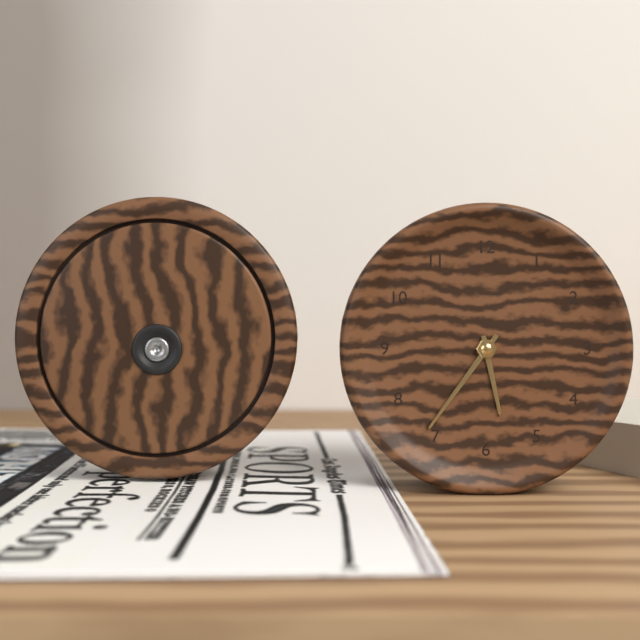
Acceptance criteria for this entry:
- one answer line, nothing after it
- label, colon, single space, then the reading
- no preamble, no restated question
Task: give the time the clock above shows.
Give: 5:36
